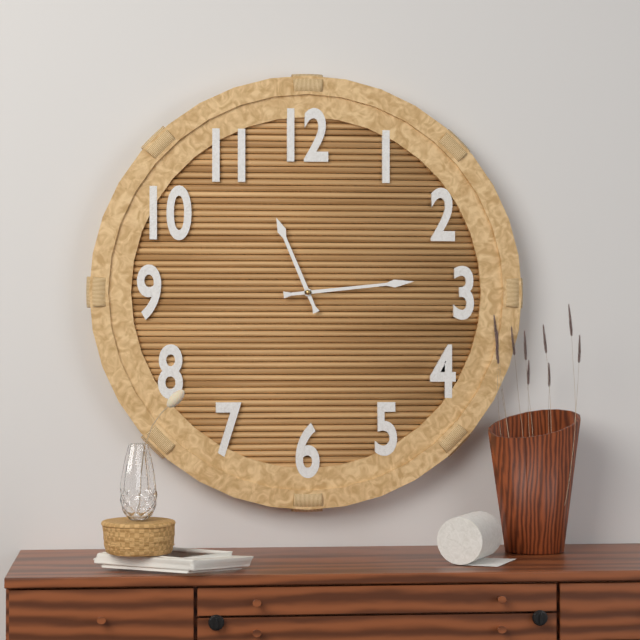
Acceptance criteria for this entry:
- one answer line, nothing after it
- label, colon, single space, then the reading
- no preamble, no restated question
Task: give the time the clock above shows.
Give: 11:14
